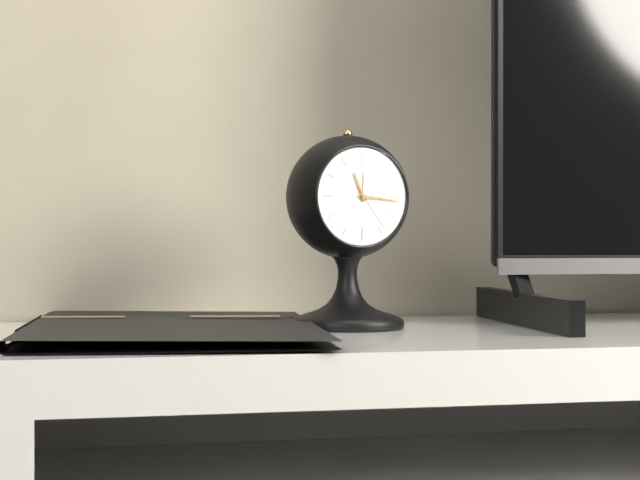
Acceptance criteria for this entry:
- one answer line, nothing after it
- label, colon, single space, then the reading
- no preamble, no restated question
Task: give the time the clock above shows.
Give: 11:16:24
